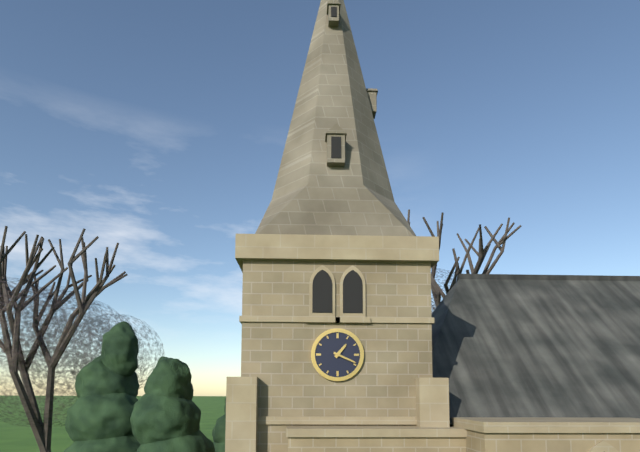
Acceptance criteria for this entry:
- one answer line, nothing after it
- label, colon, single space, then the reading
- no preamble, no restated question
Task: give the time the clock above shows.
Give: 1:19
